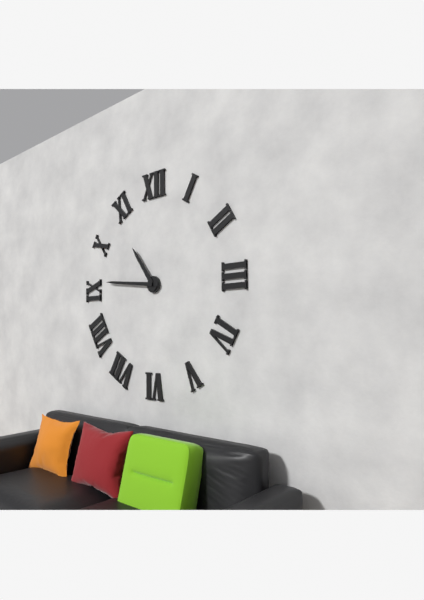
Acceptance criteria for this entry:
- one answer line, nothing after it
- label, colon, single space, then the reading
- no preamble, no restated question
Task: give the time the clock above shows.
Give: 10:46
